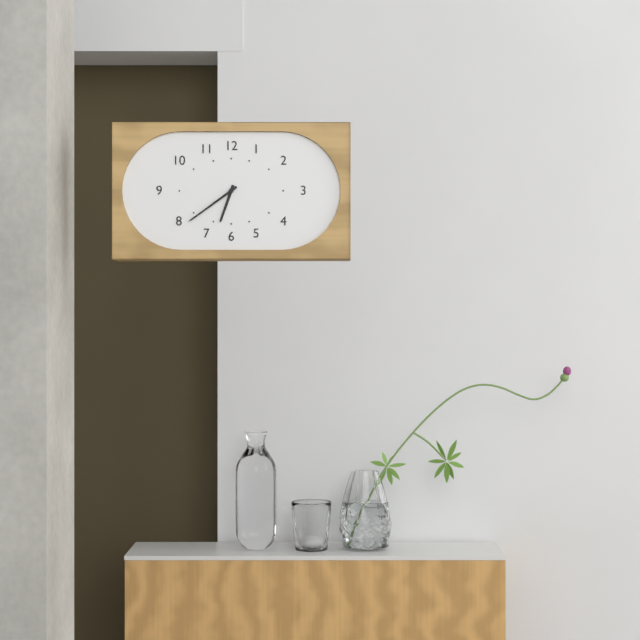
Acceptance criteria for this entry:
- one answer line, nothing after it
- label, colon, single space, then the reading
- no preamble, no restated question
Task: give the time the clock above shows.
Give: 6:39
